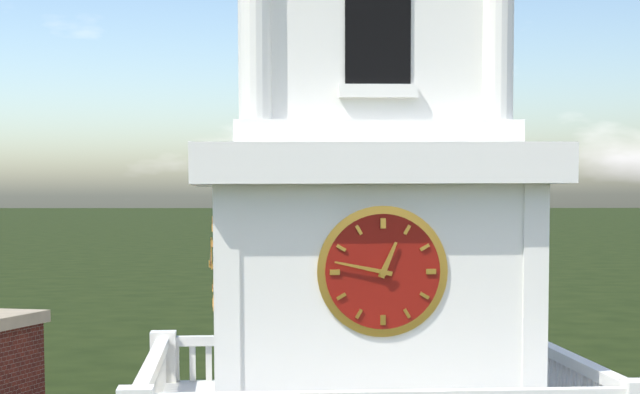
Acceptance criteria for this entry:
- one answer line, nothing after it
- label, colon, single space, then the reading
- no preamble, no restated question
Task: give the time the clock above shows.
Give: 12:47
